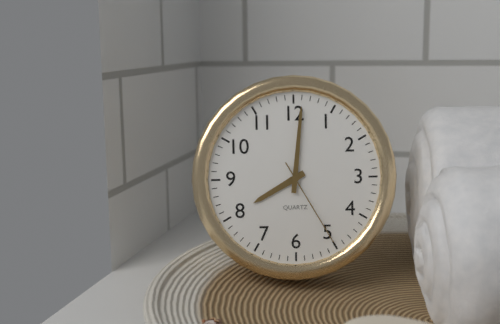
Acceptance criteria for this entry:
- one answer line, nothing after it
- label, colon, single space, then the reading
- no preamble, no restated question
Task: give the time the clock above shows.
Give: 8:01:25
